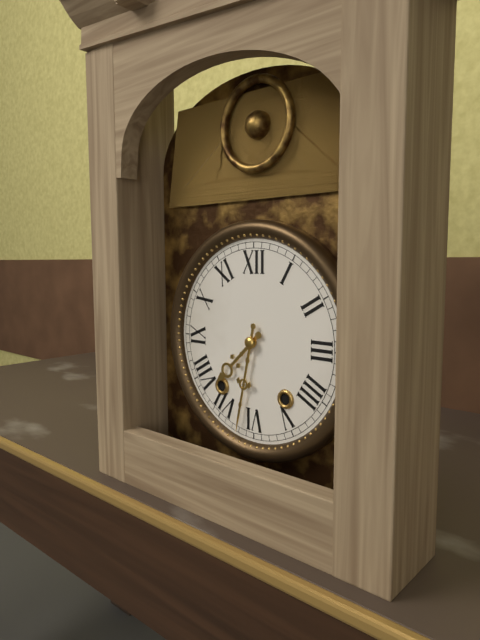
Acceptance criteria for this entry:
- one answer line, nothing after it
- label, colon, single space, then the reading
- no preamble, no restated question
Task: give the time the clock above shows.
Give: 7:32
